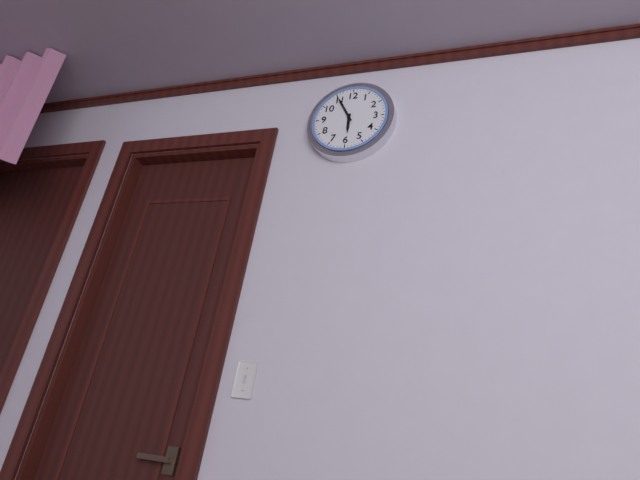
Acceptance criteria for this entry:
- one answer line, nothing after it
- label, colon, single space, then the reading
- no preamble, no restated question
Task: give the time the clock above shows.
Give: 5:55
